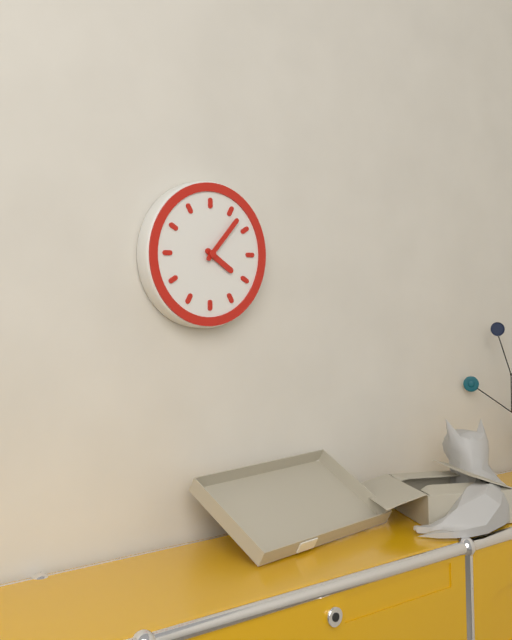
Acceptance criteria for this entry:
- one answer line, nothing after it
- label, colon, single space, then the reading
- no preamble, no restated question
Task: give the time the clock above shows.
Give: 4:07
